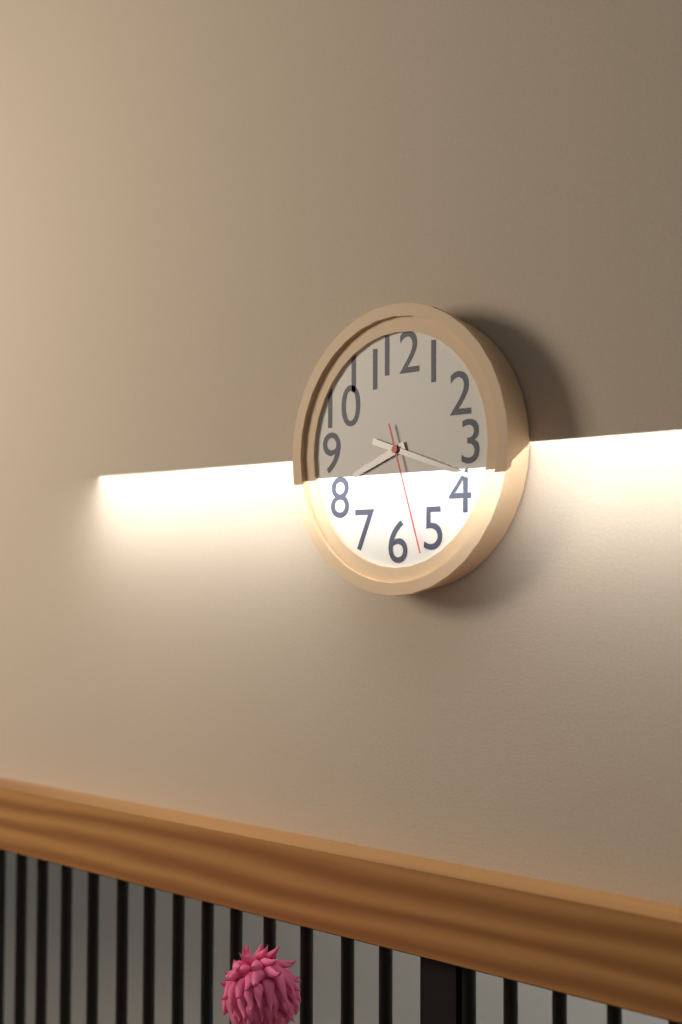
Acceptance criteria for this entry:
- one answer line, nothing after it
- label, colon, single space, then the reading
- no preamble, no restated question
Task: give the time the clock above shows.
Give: 8:18:27
